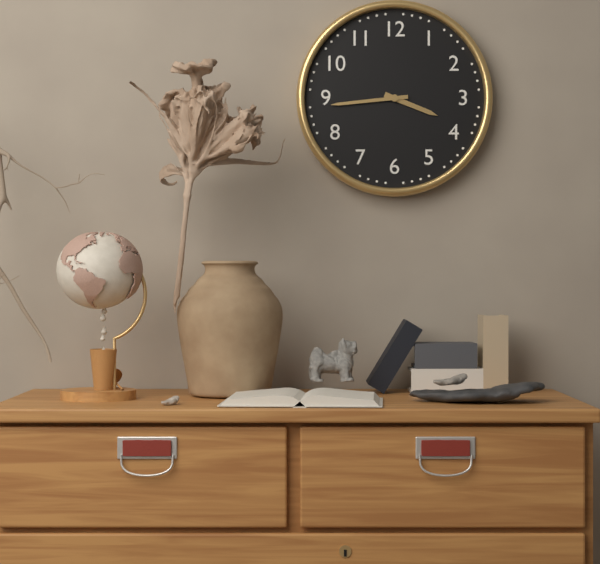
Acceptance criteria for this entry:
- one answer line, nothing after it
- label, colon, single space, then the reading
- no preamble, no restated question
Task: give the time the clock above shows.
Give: 3:44
